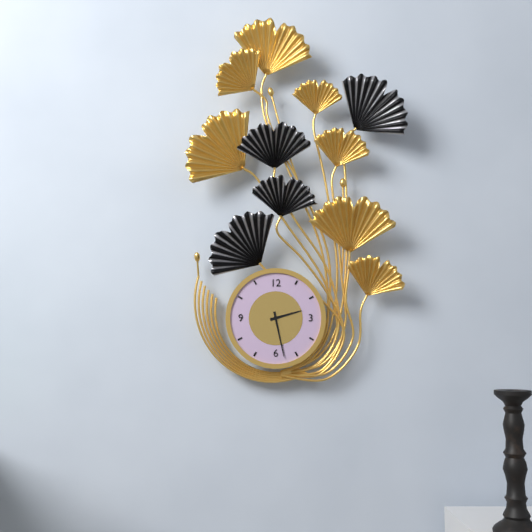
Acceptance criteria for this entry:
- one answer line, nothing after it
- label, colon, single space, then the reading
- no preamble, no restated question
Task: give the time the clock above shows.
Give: 2:28
